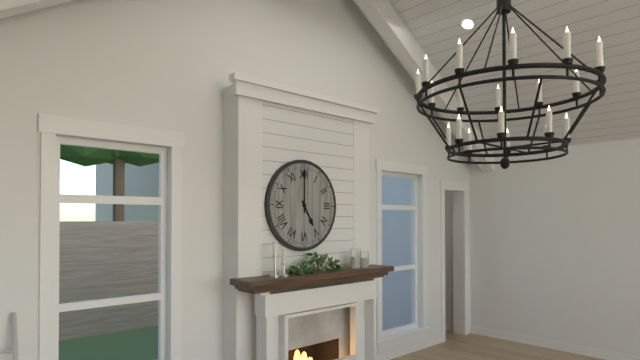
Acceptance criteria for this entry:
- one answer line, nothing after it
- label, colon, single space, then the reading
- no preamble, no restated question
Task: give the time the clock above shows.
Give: 5:00
